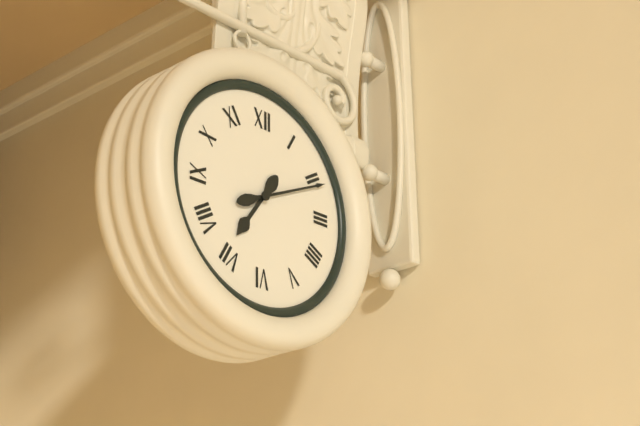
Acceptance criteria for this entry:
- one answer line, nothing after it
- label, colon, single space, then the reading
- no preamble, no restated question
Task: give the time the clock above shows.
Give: 7:11
